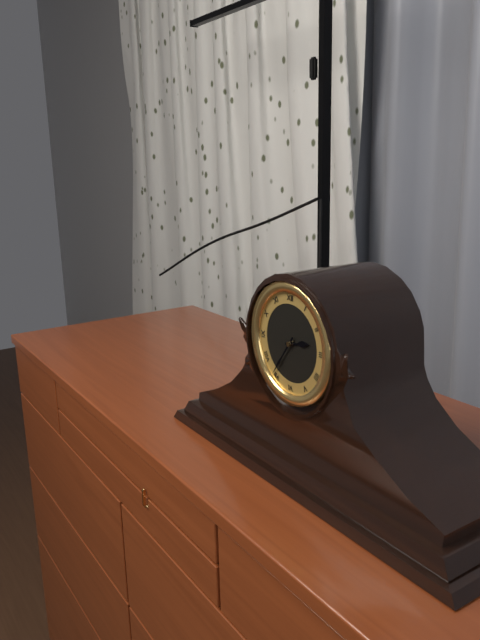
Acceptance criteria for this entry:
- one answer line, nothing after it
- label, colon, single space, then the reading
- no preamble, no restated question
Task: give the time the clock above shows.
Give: 2:36
